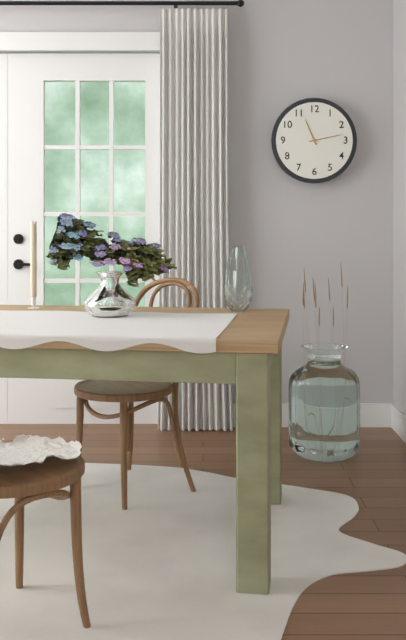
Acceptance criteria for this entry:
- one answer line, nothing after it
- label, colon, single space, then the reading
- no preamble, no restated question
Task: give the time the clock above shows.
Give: 11:13
